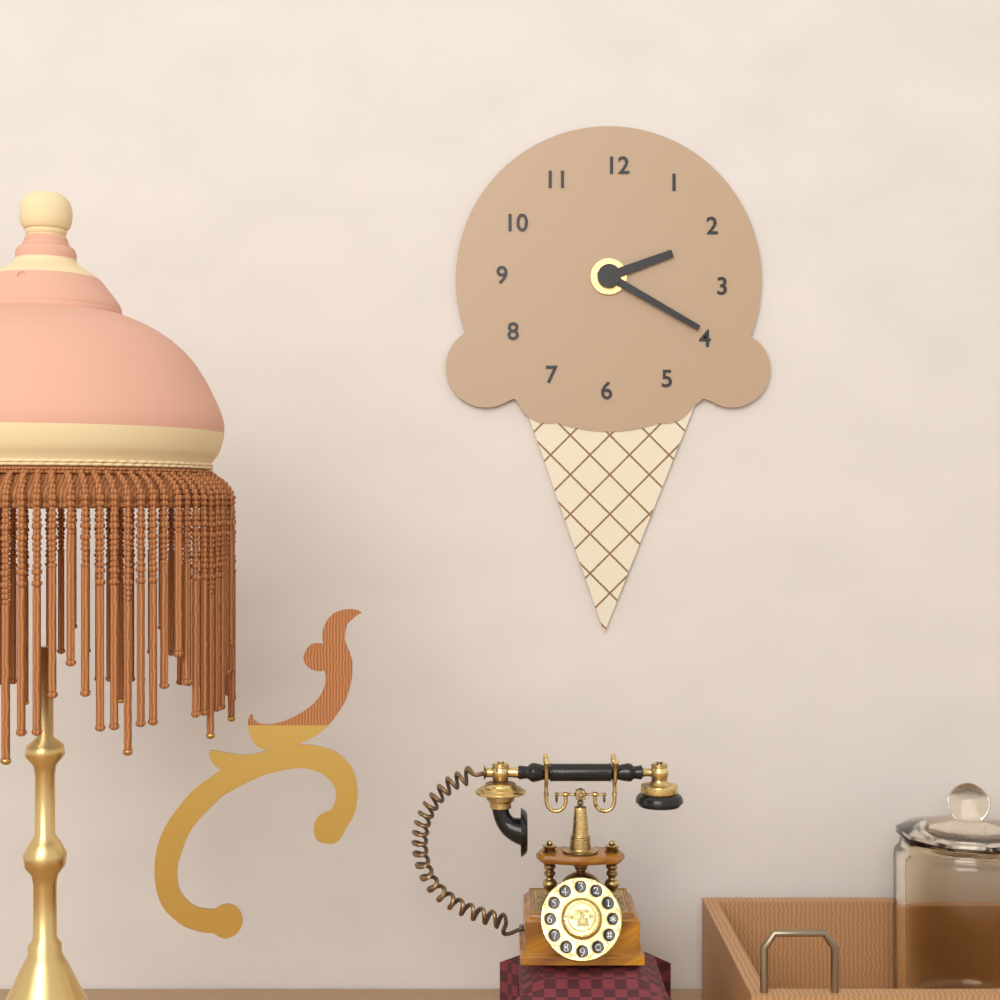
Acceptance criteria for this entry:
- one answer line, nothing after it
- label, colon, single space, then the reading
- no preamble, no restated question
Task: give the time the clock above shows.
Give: 2:20
